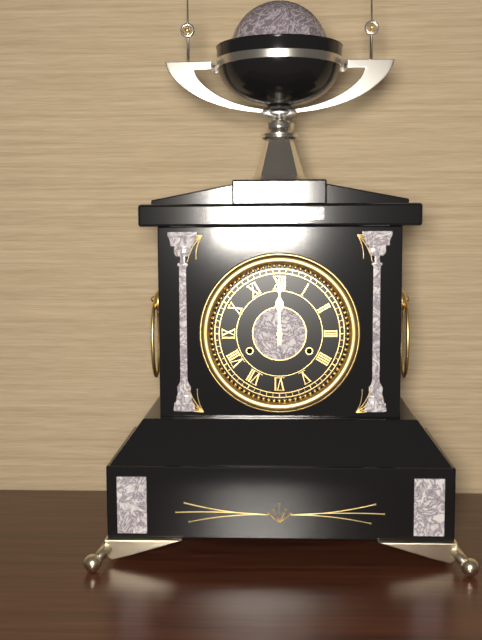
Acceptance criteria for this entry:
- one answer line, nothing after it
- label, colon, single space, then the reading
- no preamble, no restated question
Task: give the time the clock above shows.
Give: 12:00
